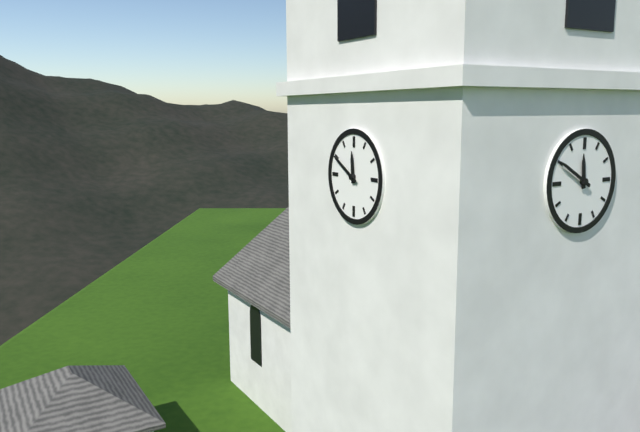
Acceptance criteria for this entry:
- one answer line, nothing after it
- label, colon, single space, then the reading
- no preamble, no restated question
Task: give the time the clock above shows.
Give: 11:50
